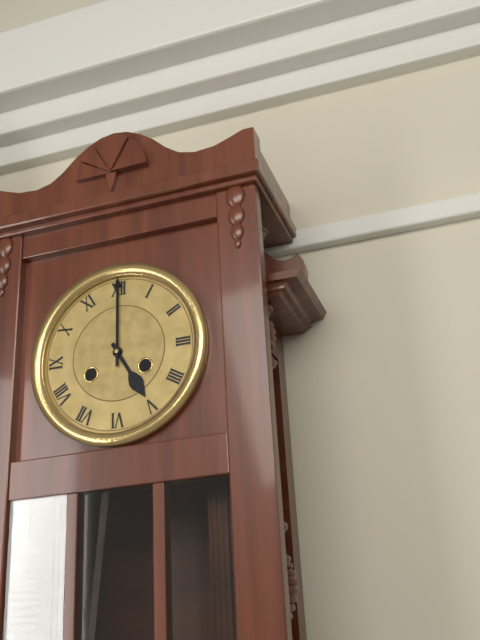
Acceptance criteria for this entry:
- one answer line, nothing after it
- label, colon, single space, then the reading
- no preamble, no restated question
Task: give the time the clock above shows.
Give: 5:00
